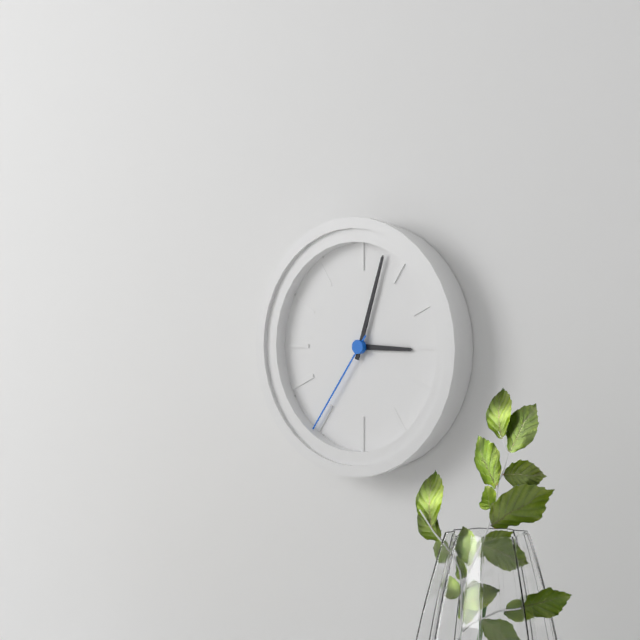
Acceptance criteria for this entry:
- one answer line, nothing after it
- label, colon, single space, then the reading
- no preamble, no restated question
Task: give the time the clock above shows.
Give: 3:03:36
